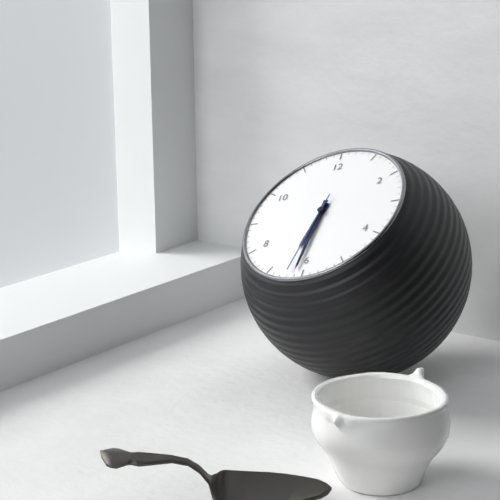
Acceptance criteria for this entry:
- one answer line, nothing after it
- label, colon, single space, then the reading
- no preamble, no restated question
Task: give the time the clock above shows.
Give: 6:31:32
